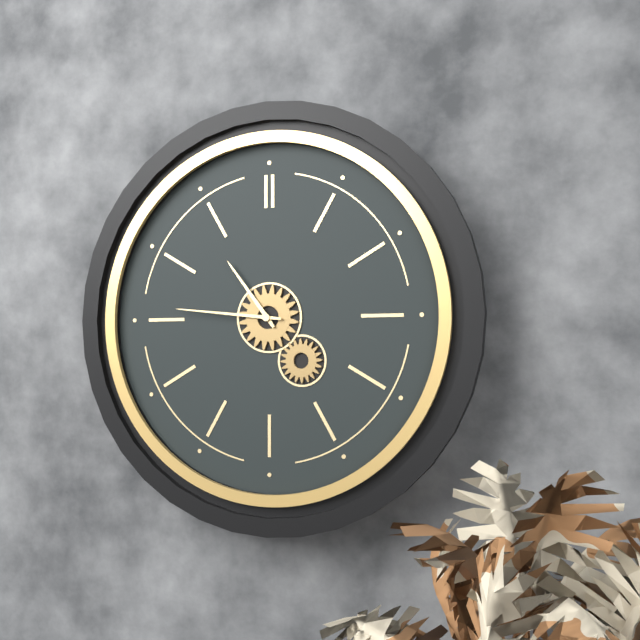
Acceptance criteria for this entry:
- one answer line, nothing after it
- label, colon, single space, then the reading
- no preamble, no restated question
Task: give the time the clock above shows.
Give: 10:46
